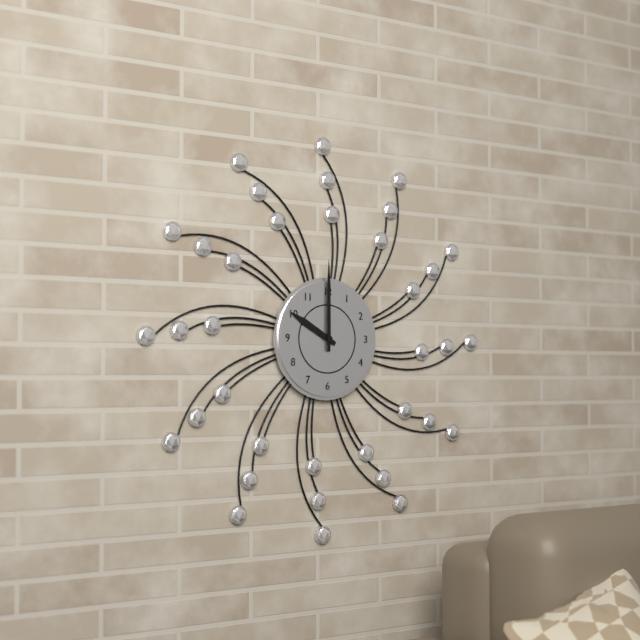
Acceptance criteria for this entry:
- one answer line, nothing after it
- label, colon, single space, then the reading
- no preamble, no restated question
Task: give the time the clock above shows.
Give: 10:00
